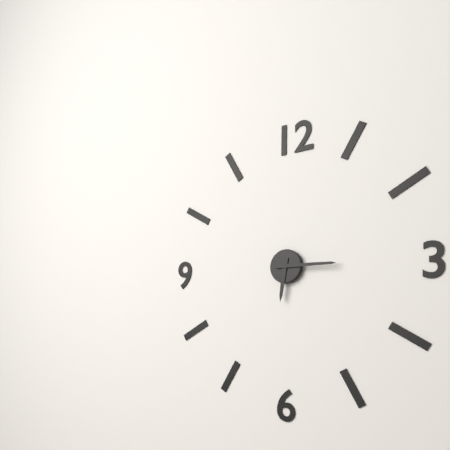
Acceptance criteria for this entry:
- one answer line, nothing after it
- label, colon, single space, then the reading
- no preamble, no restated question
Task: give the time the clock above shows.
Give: 6:15
